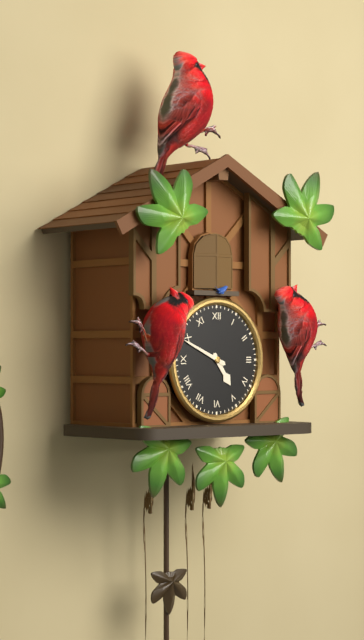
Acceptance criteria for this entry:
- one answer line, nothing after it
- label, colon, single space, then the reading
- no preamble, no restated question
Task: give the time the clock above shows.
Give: 4:49
